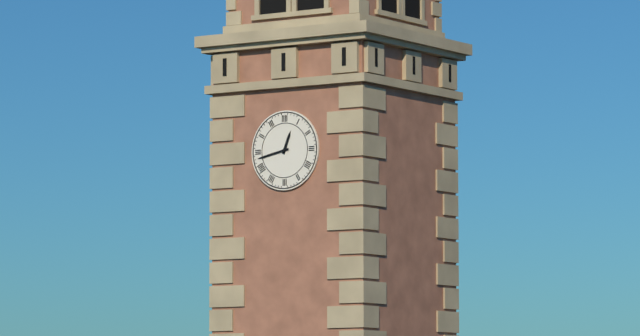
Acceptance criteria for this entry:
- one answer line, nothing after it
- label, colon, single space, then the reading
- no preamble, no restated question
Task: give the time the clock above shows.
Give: 12:43
